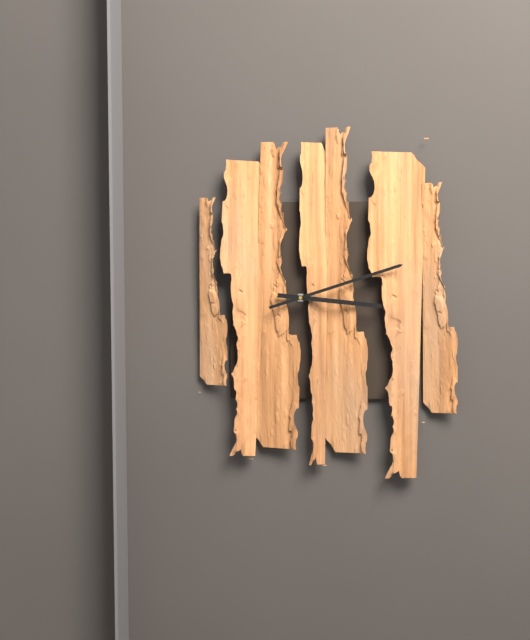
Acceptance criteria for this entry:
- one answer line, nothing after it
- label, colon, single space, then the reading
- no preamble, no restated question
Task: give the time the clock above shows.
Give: 3:12
